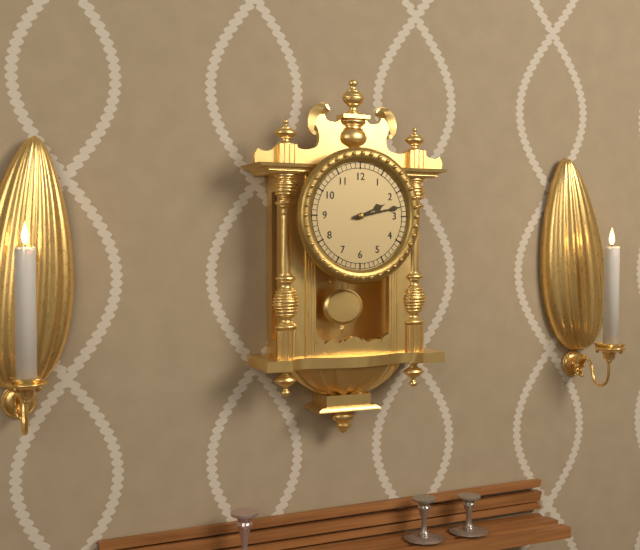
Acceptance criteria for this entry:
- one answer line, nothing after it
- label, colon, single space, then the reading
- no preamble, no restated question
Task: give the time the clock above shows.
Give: 2:13
